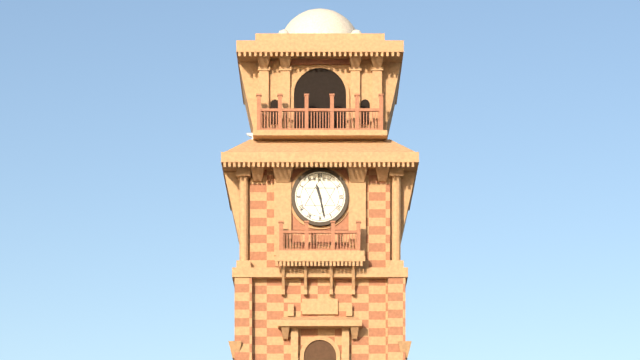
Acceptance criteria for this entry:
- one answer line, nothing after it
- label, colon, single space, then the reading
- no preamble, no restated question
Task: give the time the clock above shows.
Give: 11:28
